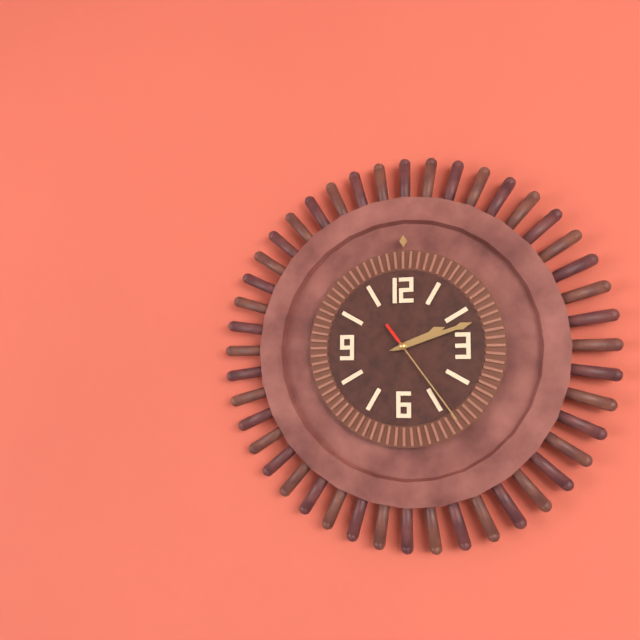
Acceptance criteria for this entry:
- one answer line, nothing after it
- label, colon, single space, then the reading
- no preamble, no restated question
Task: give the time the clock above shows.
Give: 2:12:24
